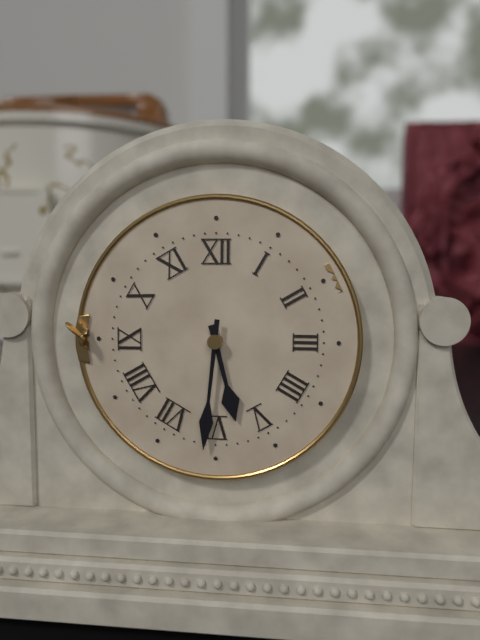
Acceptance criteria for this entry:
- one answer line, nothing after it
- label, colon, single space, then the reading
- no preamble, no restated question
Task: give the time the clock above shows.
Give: 5:31
